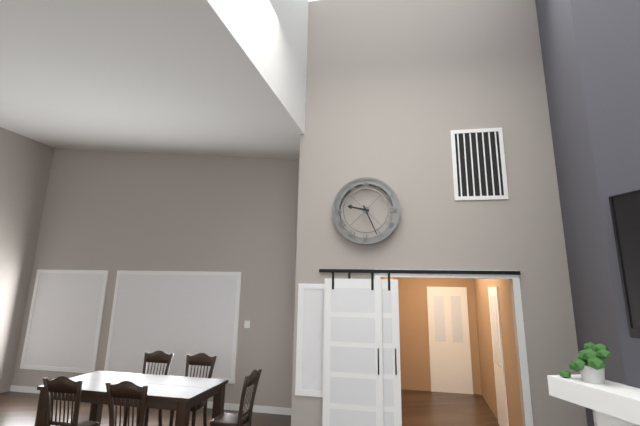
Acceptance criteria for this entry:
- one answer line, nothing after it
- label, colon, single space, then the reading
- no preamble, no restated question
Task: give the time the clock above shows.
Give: 9:26
